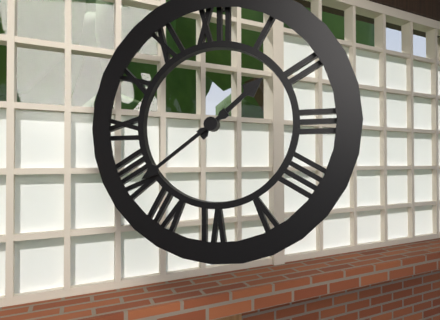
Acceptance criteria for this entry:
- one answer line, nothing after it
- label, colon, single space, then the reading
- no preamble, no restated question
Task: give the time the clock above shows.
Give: 1:39
